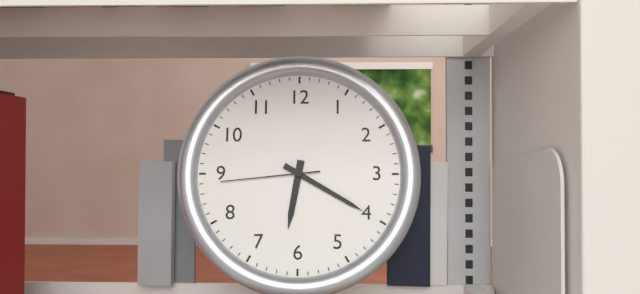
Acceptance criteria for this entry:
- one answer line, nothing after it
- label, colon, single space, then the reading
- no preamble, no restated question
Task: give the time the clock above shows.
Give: 6:20:44
